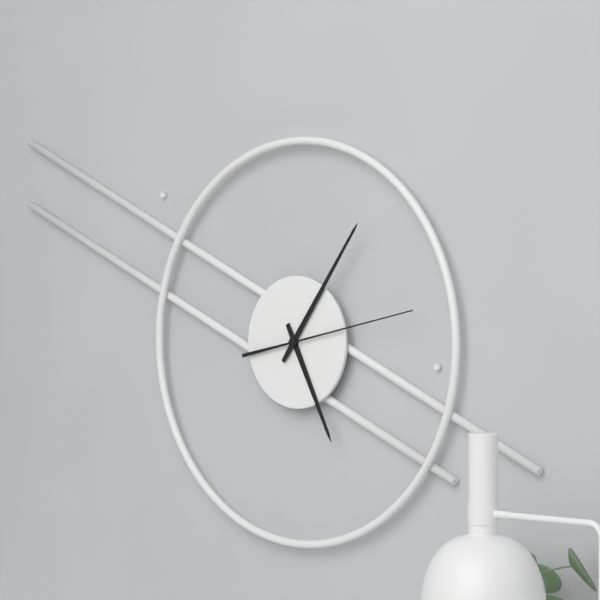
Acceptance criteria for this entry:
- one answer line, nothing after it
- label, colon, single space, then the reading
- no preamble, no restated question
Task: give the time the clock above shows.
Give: 5:06:13
